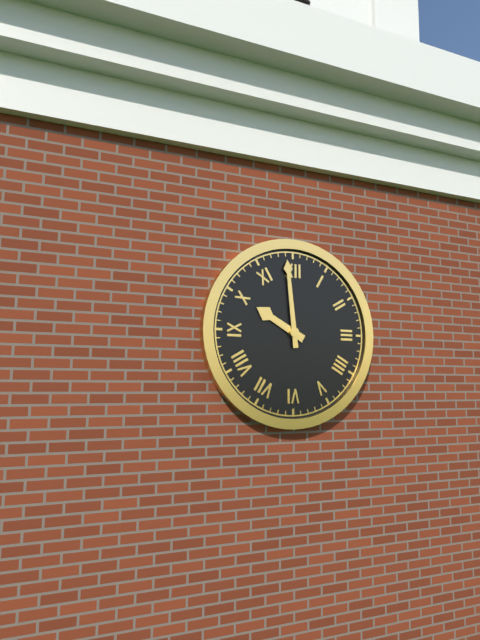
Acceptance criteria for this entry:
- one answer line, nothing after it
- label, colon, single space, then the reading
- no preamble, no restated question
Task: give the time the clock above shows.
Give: 9:59
